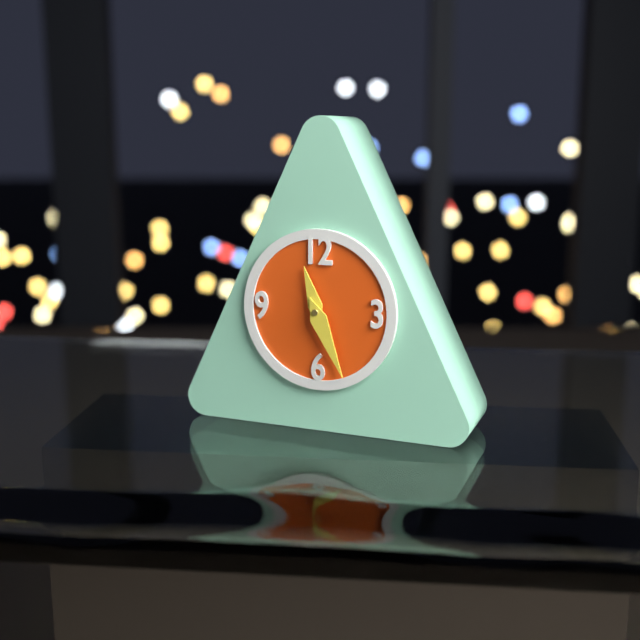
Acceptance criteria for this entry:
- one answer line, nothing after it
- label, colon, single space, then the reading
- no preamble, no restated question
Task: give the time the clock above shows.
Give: 11:26
